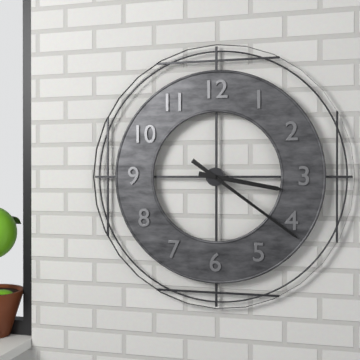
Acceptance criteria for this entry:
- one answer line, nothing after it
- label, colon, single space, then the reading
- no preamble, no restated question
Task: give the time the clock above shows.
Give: 3:21
